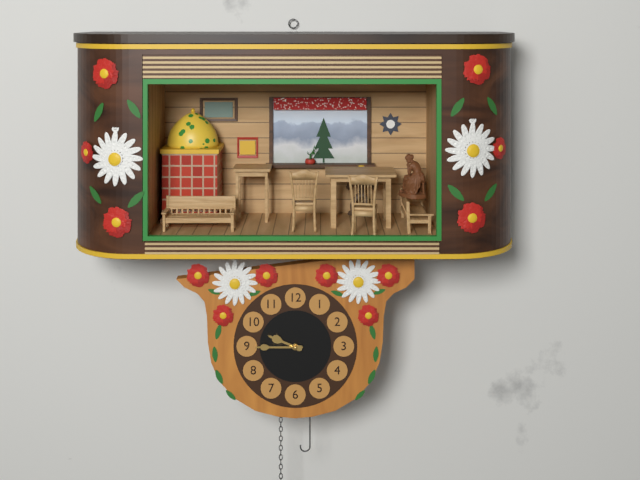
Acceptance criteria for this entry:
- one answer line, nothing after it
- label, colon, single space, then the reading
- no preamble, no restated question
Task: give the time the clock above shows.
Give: 9:45
